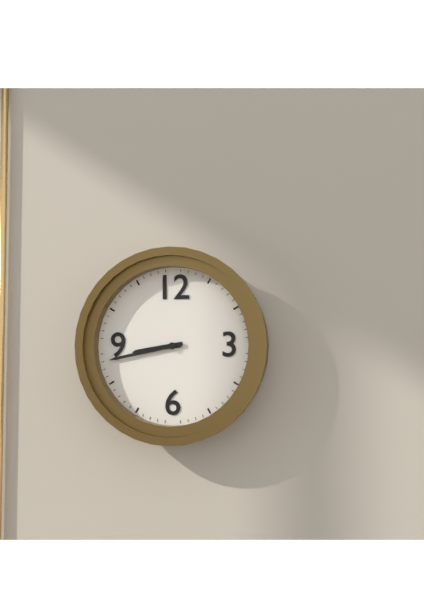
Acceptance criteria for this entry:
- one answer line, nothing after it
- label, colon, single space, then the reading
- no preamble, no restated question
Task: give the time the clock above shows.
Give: 8:43
